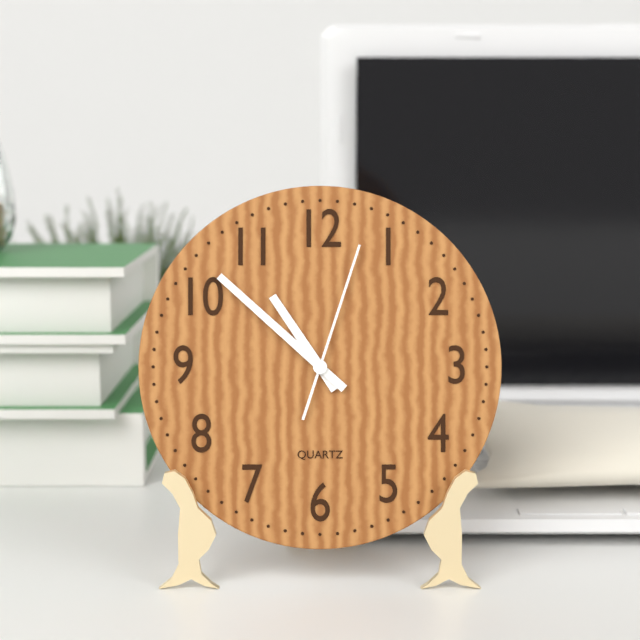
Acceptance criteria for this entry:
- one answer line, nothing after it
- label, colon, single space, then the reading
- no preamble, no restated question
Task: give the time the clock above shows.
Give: 10:52:03
